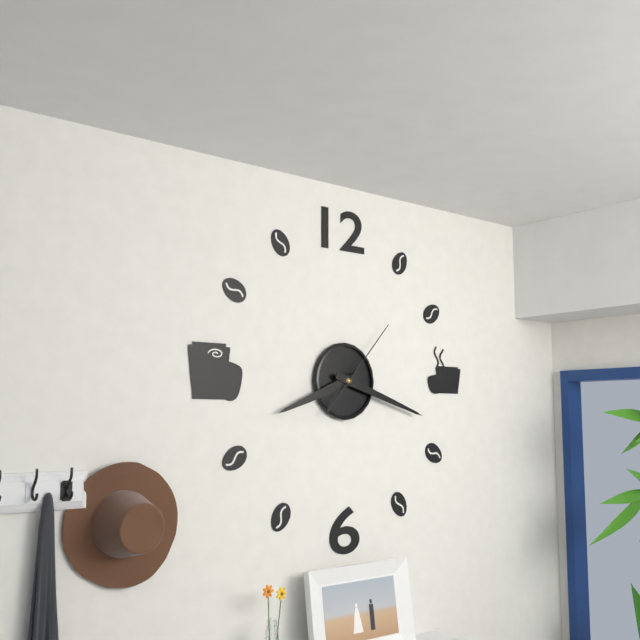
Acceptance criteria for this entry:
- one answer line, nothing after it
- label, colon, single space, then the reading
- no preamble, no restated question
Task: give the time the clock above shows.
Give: 8:18:07
